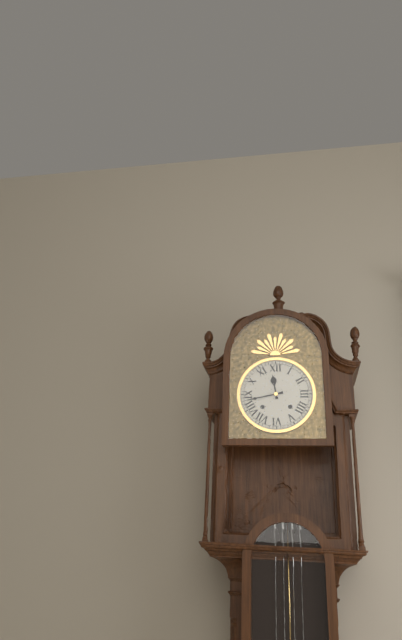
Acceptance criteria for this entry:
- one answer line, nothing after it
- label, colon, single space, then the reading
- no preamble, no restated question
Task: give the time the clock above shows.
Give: 11:43
